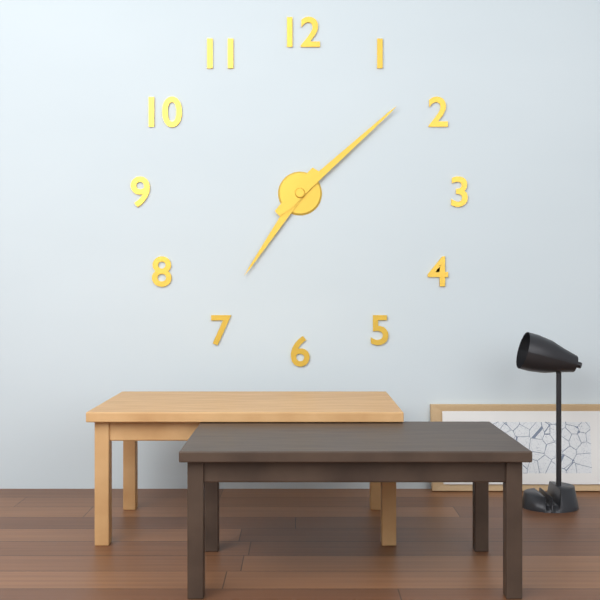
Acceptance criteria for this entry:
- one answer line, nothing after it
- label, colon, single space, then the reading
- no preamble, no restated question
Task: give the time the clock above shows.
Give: 7:08
